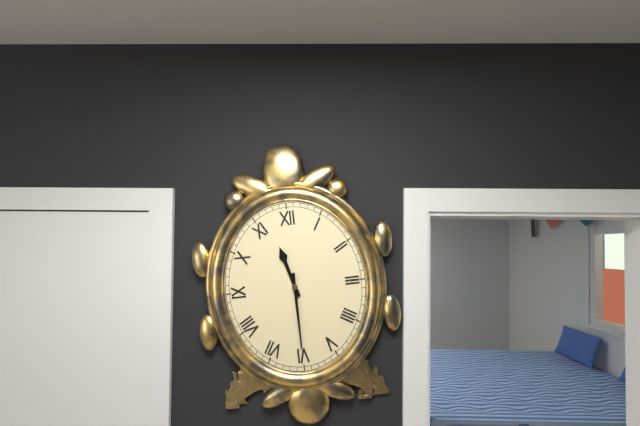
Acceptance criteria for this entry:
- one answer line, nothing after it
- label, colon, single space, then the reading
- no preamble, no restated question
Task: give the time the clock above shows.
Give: 11:30
